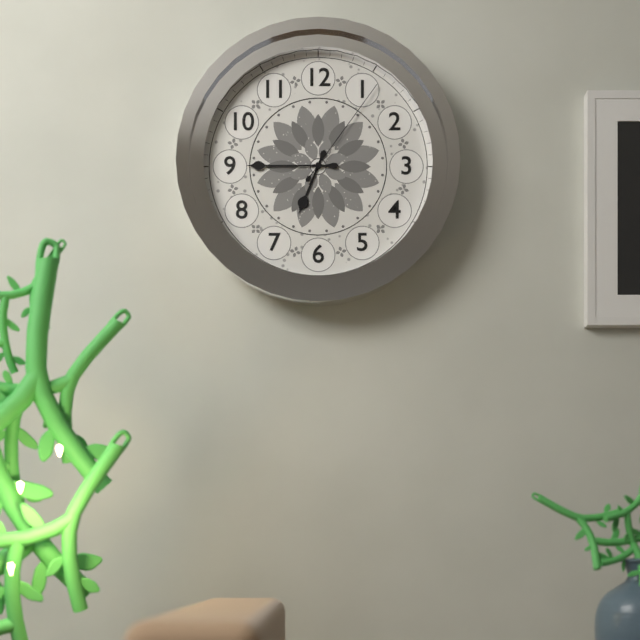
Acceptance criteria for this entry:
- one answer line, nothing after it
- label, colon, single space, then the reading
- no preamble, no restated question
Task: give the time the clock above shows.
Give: 6:45:06
